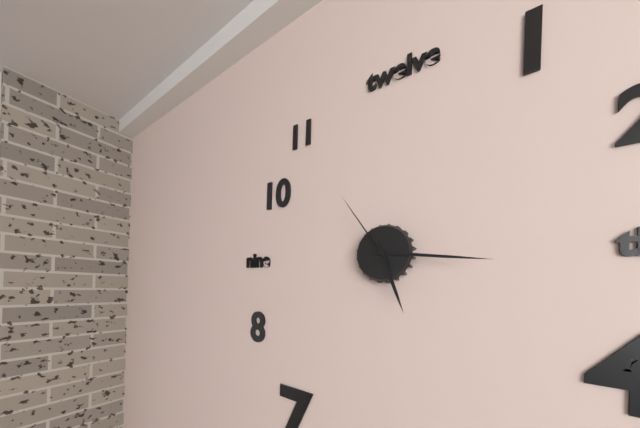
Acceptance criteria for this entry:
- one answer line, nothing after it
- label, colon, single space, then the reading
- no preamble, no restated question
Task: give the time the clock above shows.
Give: 5:16:54
